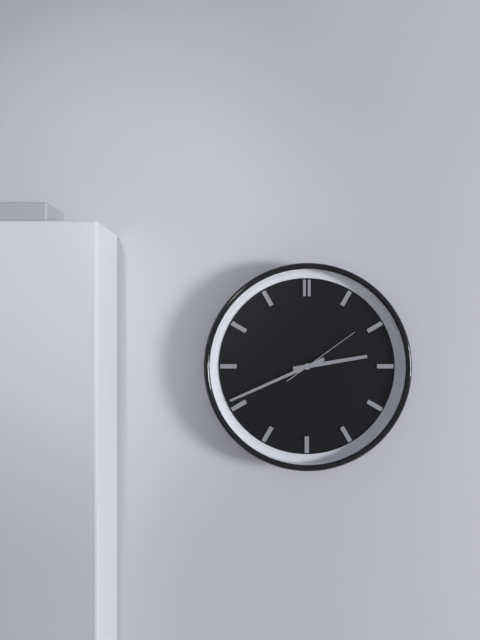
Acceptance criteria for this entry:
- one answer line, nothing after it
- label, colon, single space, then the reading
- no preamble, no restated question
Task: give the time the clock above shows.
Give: 2:41:09
